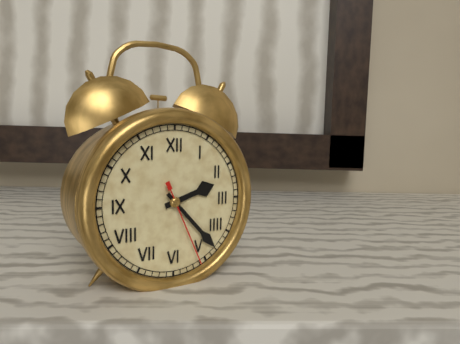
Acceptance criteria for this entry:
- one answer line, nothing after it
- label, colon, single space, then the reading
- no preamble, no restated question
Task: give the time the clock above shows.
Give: 2:23:26
